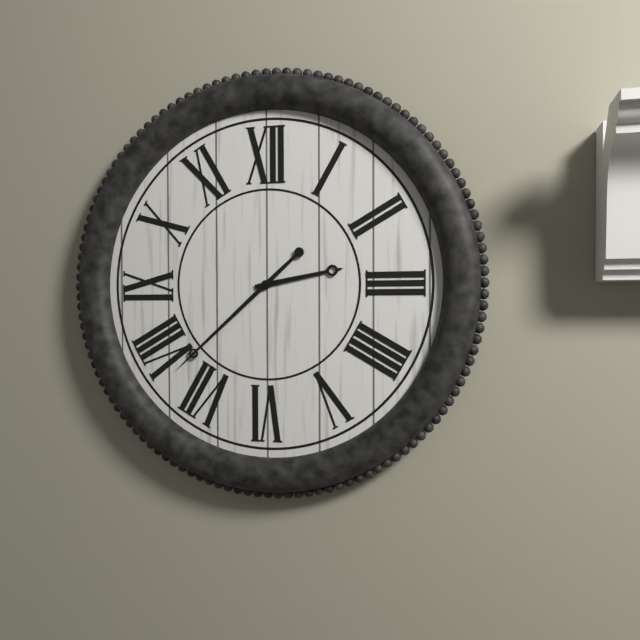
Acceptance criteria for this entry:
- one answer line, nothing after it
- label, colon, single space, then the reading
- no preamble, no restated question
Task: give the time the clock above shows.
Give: 2:38
